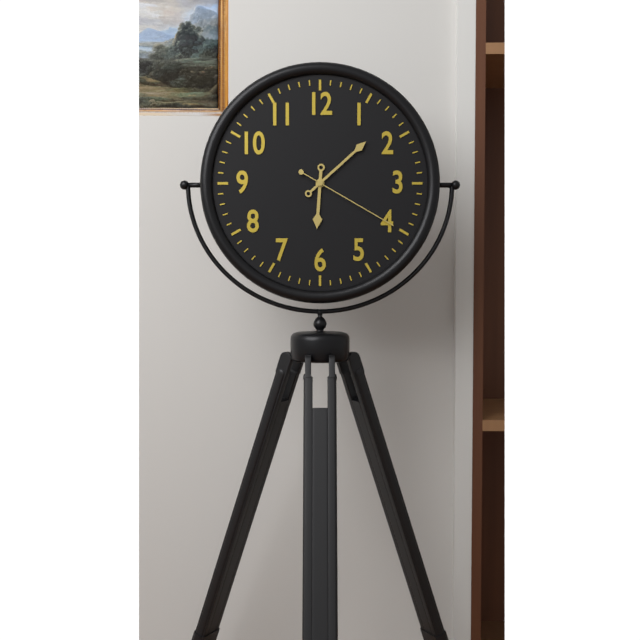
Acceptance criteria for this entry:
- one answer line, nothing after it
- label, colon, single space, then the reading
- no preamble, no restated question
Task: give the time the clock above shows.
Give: 6:08:20
